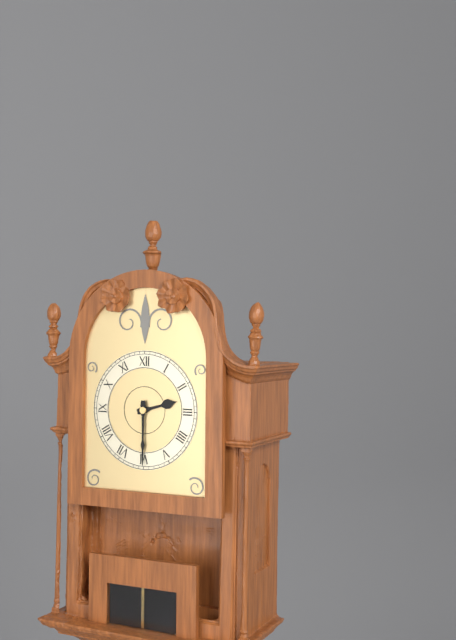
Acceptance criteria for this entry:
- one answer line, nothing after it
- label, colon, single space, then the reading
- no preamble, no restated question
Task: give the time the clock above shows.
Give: 2:30
